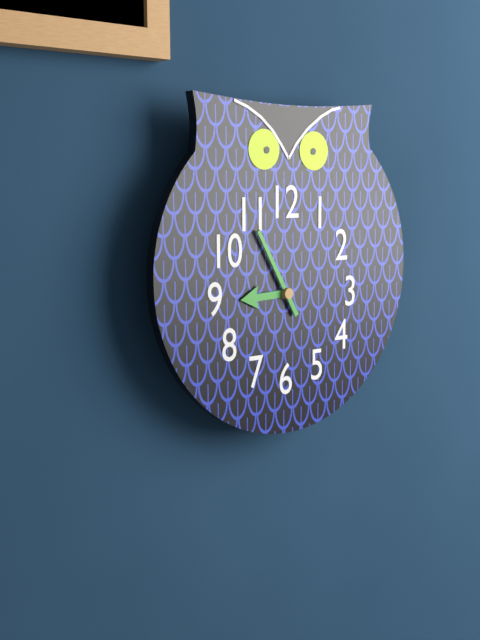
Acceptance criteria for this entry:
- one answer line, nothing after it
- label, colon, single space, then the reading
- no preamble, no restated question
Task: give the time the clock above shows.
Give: 8:55
